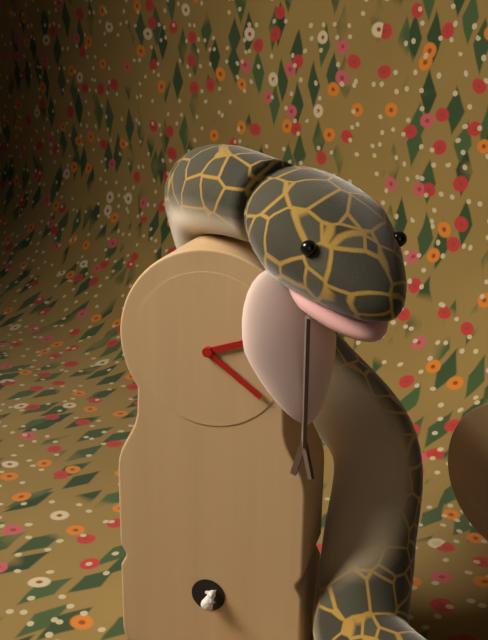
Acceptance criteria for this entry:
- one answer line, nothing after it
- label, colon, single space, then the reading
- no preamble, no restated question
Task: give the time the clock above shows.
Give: 2:21
